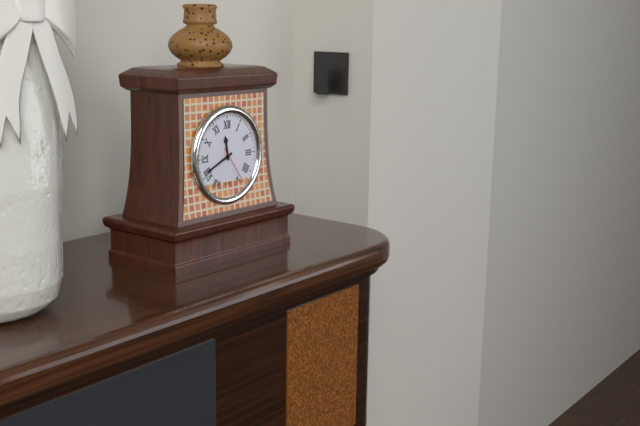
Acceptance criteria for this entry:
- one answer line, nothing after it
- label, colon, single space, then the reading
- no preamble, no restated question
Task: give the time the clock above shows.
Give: 11:41
